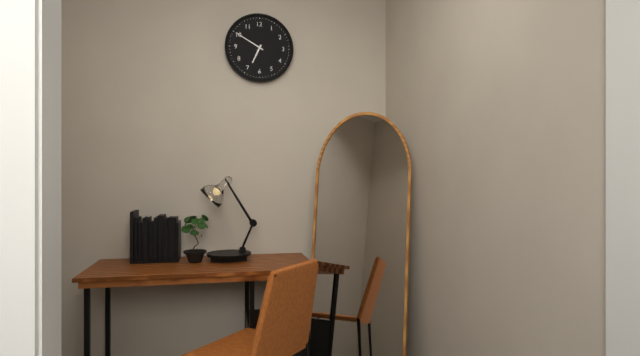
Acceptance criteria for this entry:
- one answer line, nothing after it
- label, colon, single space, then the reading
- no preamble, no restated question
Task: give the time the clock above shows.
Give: 6:50
